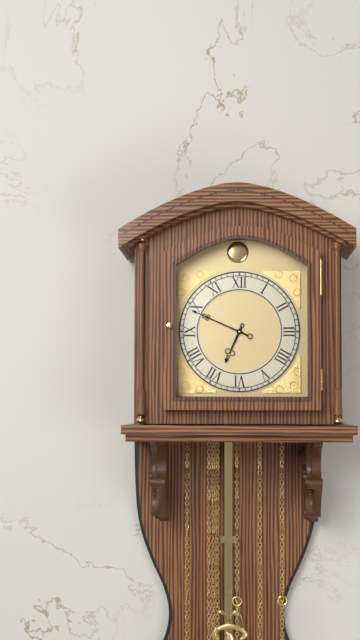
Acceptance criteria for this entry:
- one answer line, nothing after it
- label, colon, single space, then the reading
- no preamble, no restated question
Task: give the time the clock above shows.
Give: 6:49
